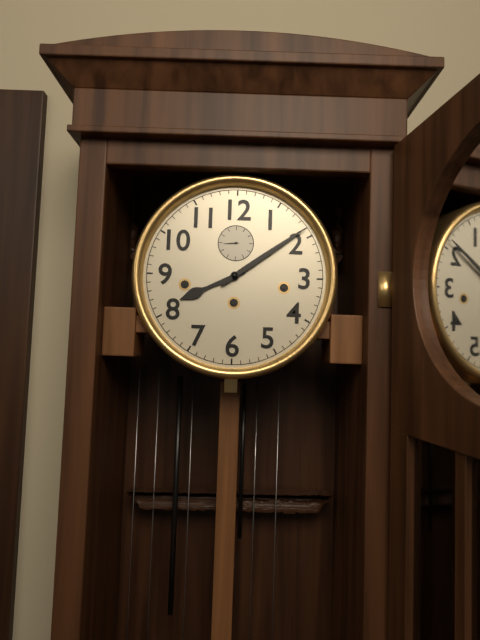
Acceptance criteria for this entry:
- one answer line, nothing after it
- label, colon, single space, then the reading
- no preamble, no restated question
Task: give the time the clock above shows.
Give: 8:09
